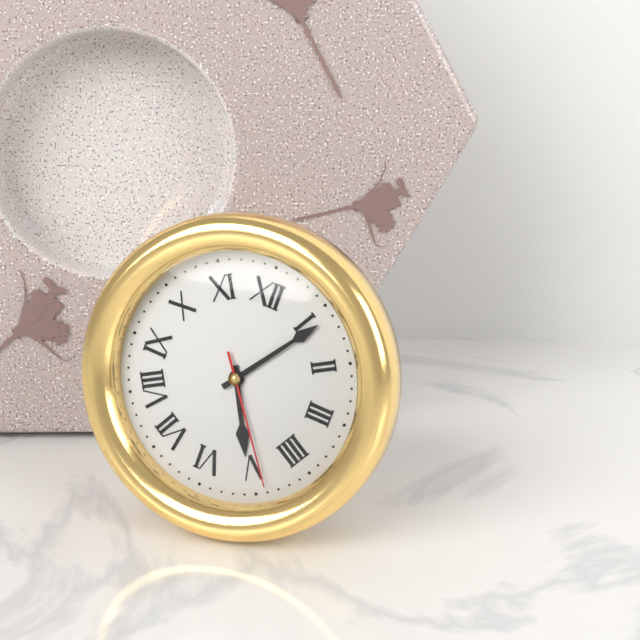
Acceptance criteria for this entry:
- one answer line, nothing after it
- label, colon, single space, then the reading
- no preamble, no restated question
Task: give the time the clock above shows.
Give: 5:06:24
